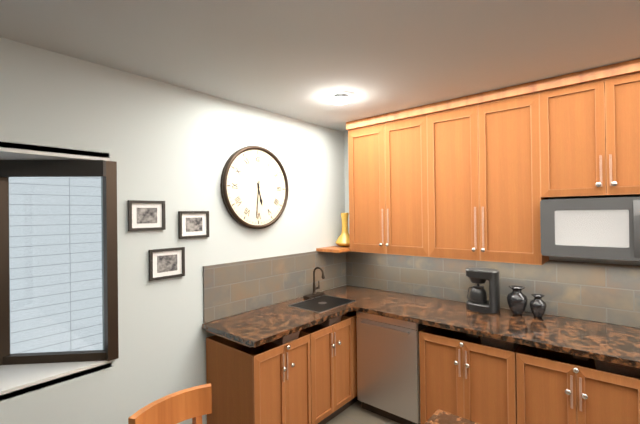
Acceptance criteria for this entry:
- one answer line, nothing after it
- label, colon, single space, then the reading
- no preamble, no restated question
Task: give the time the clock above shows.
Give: 5:31
